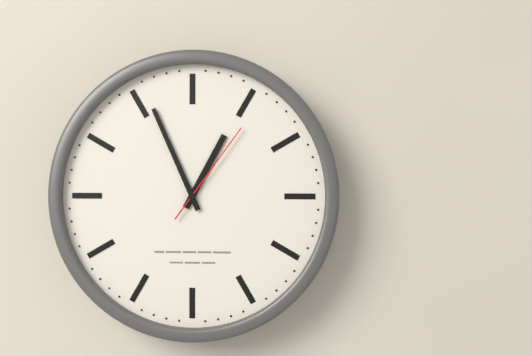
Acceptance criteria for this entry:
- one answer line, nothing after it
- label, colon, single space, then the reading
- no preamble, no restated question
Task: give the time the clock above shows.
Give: 12:56:06
